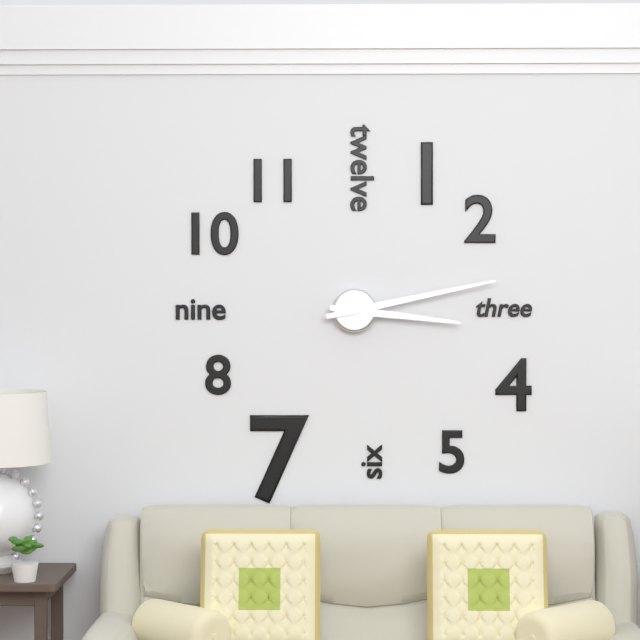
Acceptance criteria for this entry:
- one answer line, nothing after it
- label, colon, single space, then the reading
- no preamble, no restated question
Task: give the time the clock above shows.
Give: 3:13
